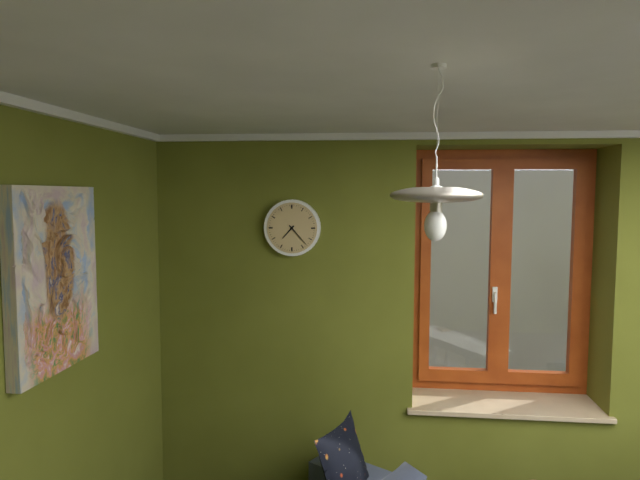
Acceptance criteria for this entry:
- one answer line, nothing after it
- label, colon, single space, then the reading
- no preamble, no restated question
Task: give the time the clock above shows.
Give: 7:23
